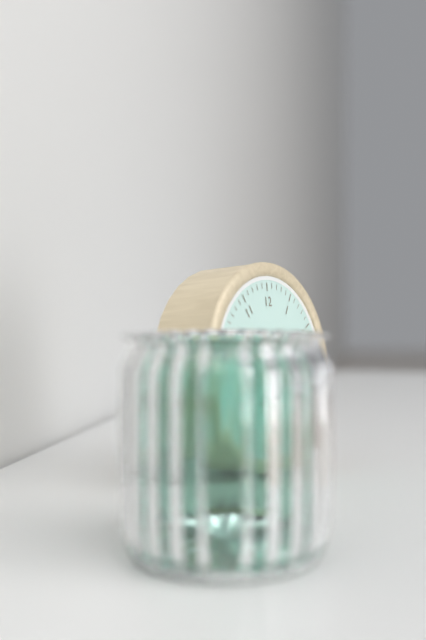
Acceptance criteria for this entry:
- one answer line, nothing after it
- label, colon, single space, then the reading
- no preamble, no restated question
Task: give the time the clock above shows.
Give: 8:18
